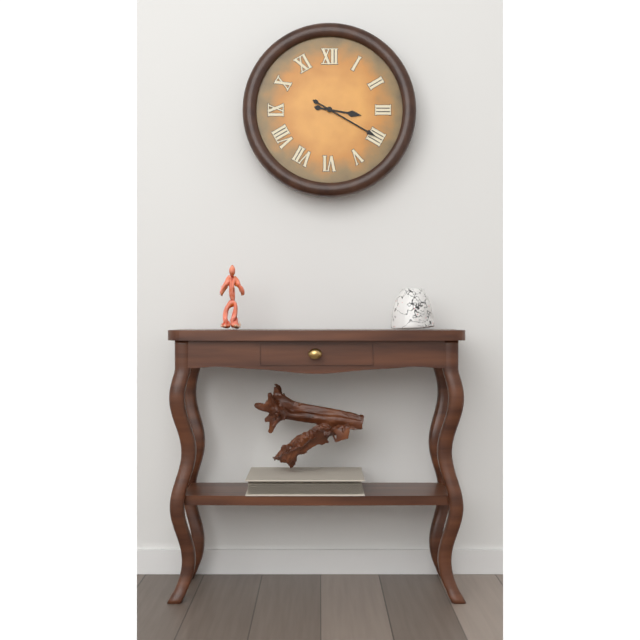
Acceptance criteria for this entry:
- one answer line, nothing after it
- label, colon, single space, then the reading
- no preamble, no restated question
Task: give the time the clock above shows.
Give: 3:20
